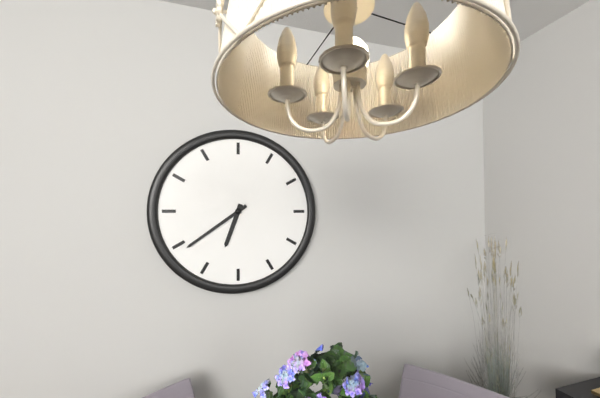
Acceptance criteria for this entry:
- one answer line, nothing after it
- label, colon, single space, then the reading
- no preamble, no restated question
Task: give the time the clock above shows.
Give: 6:39
